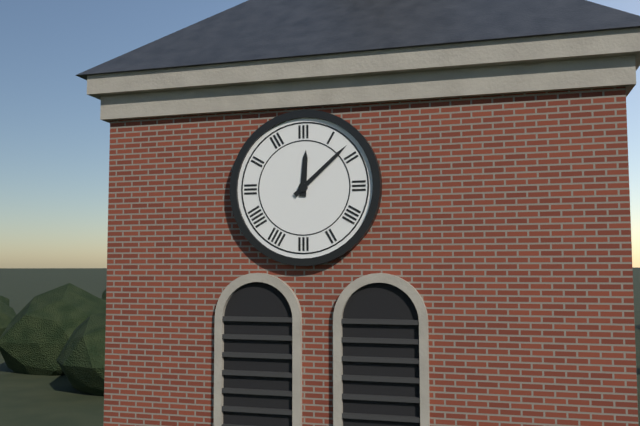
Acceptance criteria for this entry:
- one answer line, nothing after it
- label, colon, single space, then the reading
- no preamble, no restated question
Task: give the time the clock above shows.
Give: 12:08
